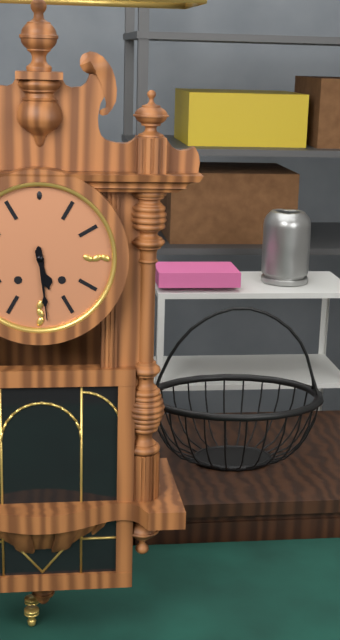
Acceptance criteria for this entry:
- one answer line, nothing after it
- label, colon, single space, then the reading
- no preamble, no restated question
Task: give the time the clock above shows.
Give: 5:29
